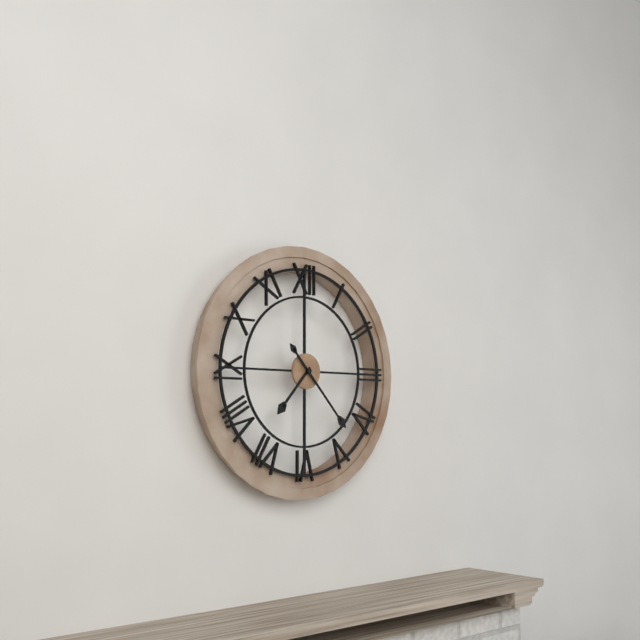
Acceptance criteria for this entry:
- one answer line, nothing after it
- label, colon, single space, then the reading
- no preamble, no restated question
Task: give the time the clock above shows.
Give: 7:23
